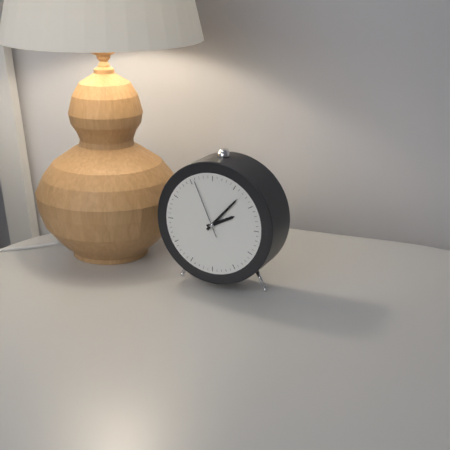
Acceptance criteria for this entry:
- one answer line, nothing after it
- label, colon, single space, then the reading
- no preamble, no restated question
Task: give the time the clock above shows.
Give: 2:07:56
